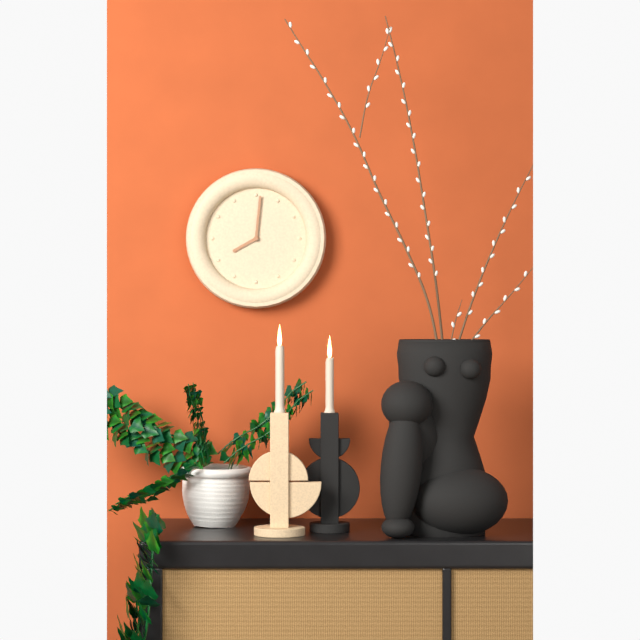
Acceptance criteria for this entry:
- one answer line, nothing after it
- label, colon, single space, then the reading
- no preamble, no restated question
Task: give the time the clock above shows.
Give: 8:01
